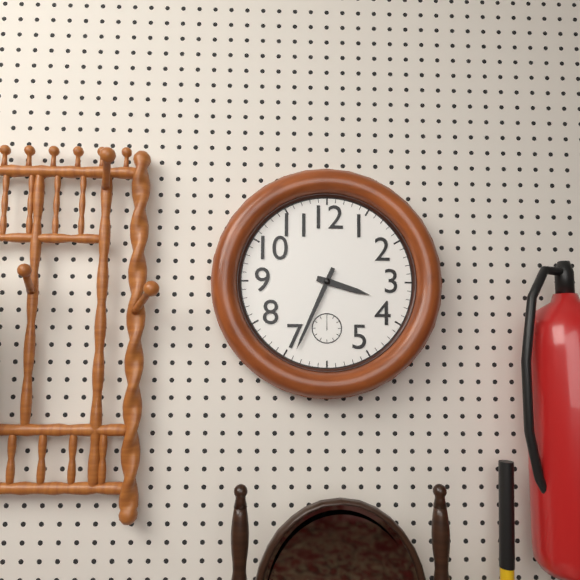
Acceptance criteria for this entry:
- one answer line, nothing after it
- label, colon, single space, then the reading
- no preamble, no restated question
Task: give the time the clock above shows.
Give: 3:34
